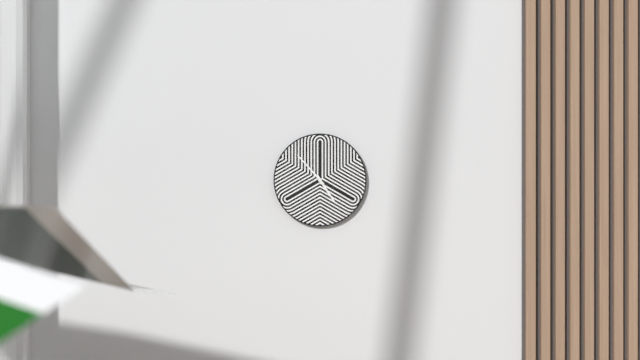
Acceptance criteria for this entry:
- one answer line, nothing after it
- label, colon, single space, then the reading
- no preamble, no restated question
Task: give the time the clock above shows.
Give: 4:53
